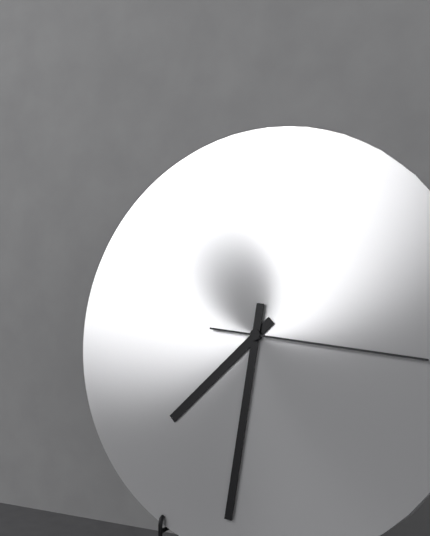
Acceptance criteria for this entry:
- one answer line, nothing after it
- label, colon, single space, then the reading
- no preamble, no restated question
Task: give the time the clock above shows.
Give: 7:31:16
